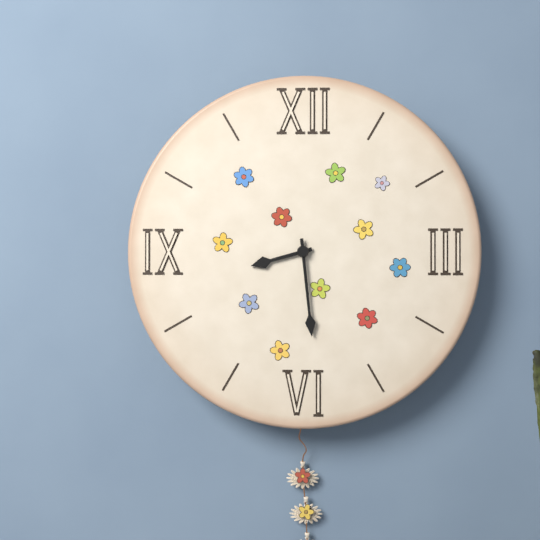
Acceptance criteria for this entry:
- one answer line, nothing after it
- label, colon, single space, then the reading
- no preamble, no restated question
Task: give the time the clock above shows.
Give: 8:29
